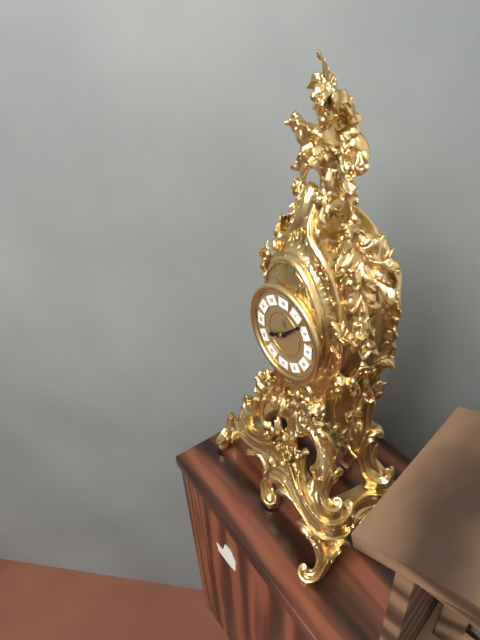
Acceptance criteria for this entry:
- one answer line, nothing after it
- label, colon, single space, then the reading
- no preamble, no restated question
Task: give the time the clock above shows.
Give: 8:08
